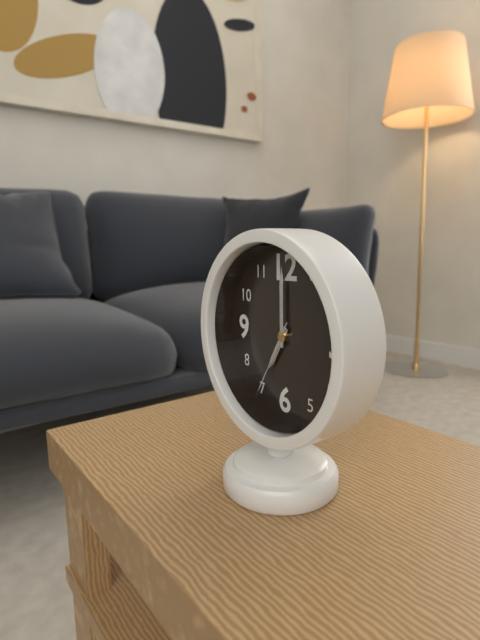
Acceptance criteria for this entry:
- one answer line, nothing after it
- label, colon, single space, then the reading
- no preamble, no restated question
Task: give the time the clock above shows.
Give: 7:00:35
